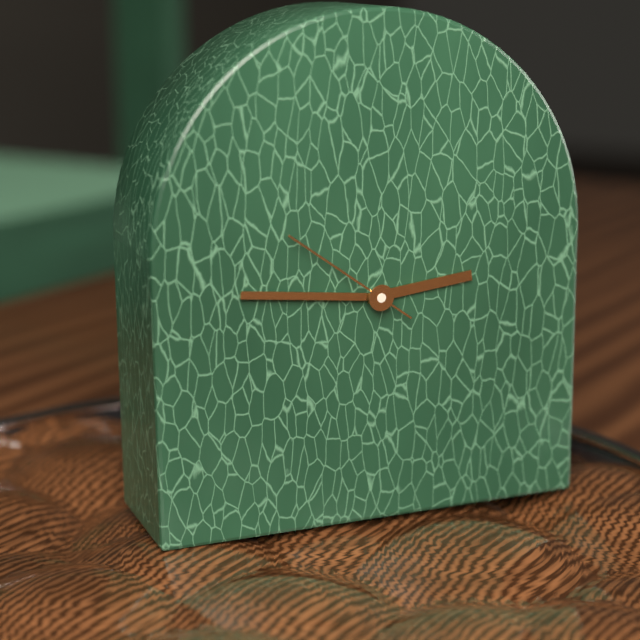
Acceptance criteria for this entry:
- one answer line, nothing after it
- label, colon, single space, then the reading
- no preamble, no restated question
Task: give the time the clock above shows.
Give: 2:46:51
